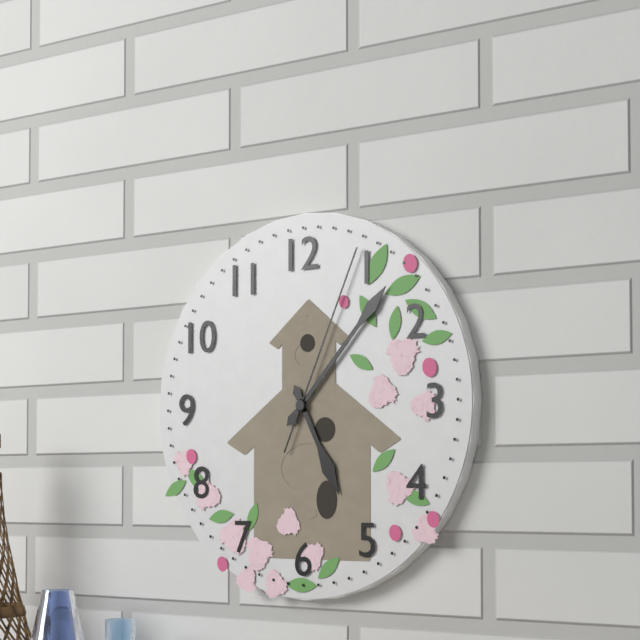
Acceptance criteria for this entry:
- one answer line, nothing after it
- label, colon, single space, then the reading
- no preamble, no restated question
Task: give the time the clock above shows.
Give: 5:07:04
